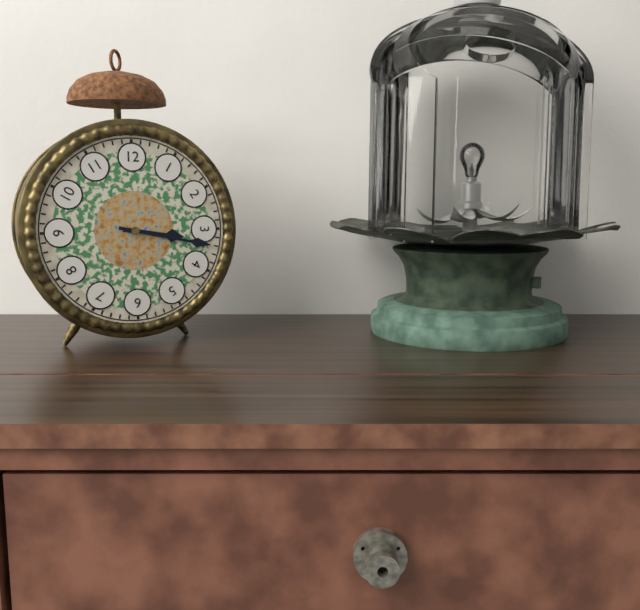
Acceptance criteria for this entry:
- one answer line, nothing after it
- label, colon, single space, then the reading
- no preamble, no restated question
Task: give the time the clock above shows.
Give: 3:17
